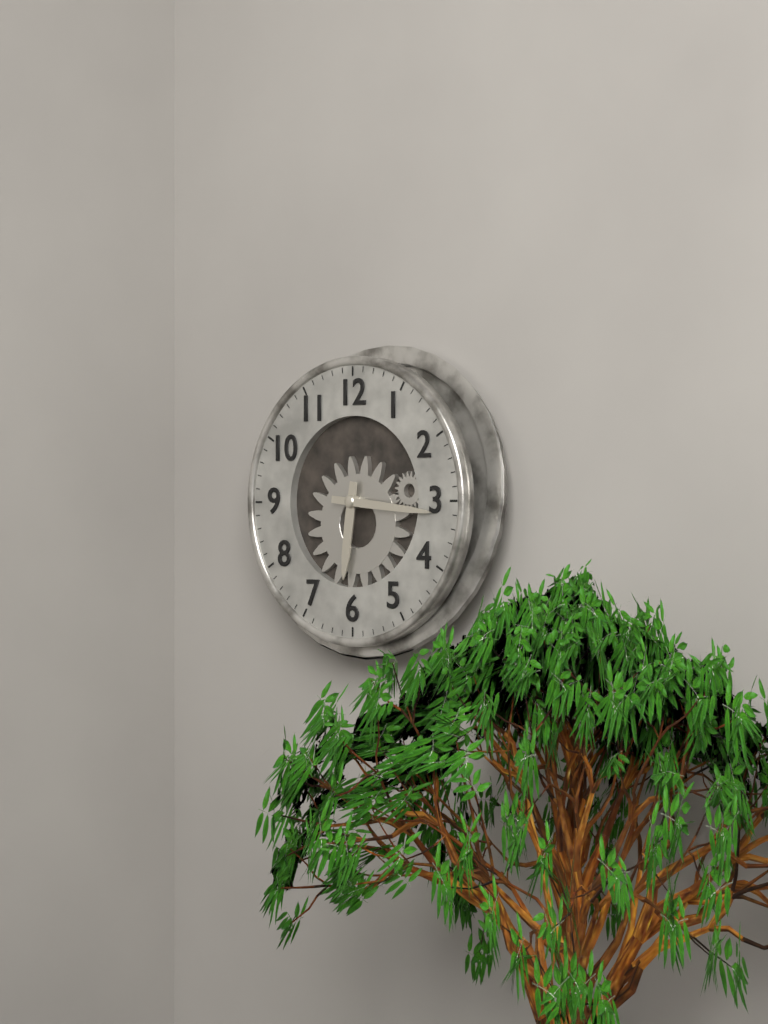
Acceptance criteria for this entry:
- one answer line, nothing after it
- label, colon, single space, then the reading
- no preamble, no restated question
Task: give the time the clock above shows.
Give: 6:16
